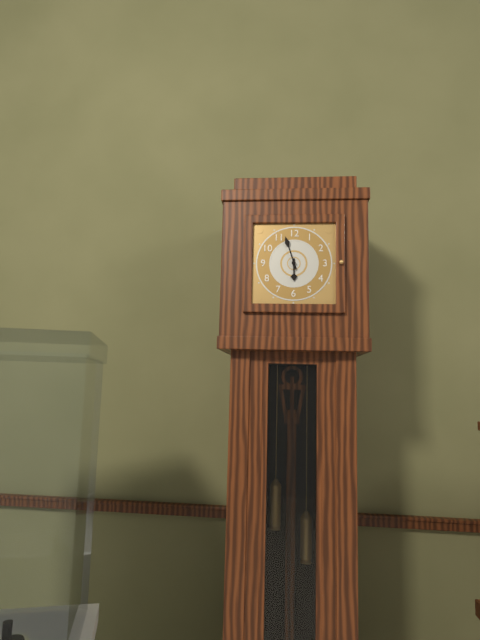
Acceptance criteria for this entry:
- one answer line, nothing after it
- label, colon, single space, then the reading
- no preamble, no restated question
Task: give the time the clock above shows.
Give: 5:57
